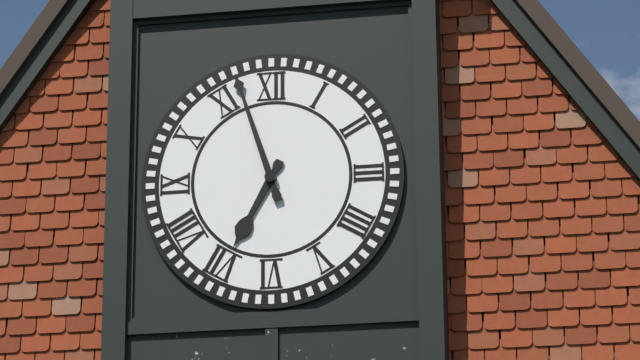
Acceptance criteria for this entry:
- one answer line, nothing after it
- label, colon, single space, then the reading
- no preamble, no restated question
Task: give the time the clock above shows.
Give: 6:57
